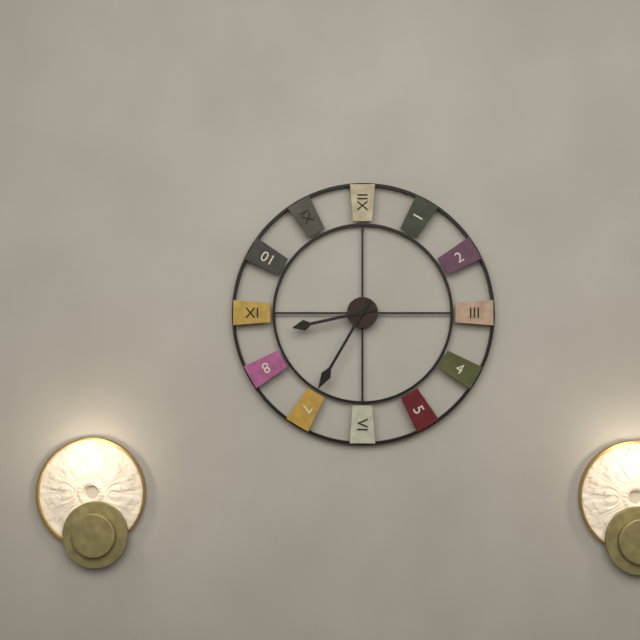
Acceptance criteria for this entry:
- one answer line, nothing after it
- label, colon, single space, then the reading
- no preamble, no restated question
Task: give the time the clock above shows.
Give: 8:35
